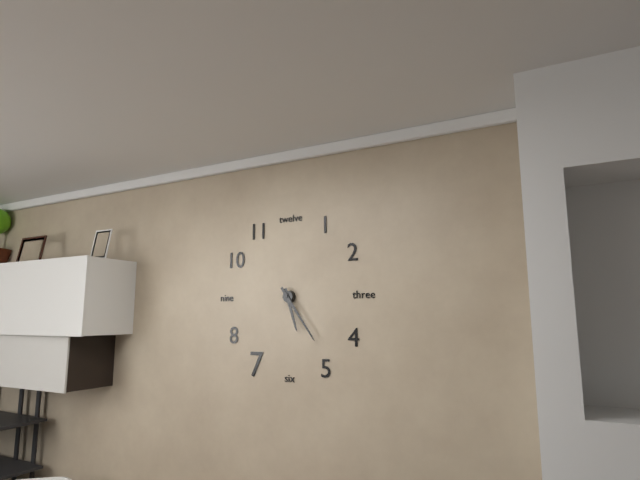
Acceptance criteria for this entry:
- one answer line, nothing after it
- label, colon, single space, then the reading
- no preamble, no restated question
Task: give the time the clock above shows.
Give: 5:24
